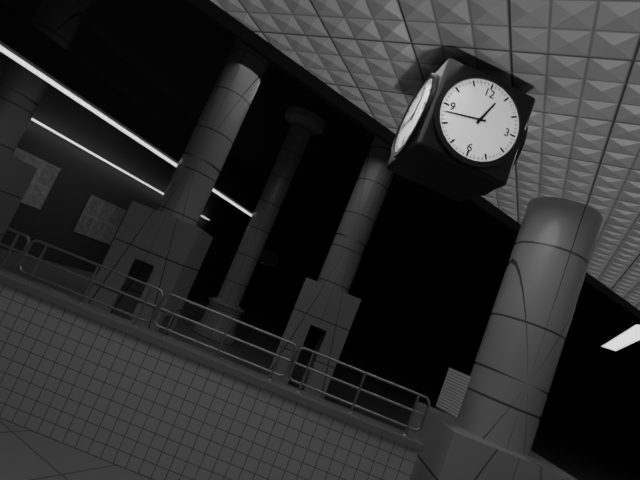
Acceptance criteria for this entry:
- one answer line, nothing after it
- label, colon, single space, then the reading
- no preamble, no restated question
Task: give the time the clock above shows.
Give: 12:43
